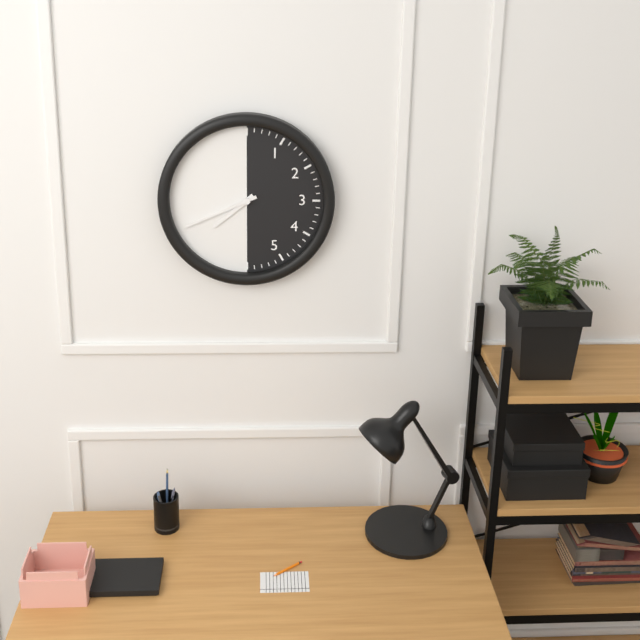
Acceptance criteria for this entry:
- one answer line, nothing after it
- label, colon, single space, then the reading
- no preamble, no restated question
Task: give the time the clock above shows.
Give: 7:41
